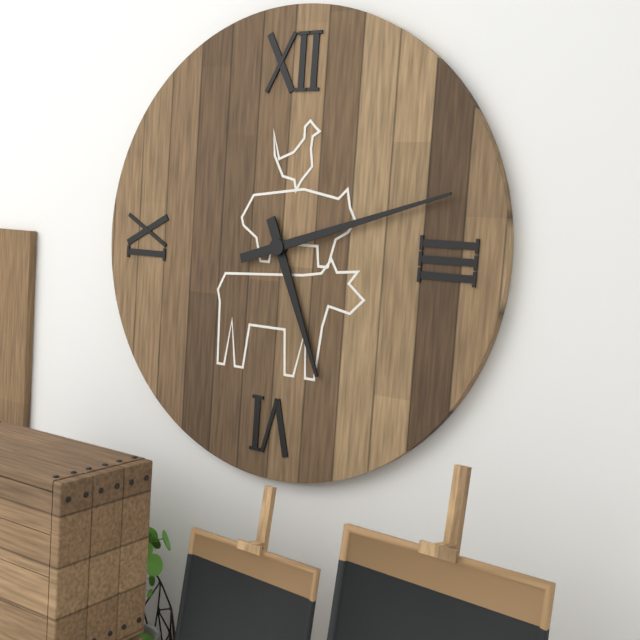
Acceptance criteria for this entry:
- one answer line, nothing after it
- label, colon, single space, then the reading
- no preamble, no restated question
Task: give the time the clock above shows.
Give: 5:12
